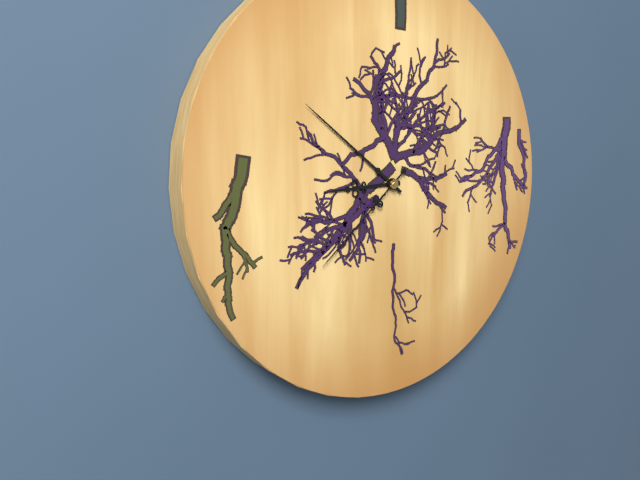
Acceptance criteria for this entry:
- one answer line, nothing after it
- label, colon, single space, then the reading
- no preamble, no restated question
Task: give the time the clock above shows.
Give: 8:51:38
